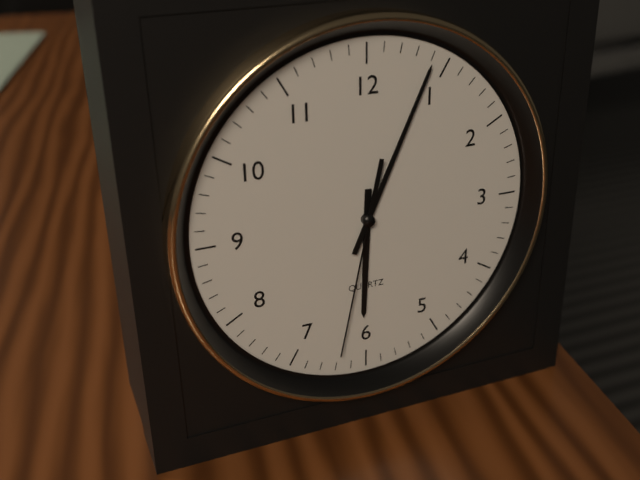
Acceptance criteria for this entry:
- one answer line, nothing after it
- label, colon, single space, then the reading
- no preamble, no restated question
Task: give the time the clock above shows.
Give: 6:04:32
